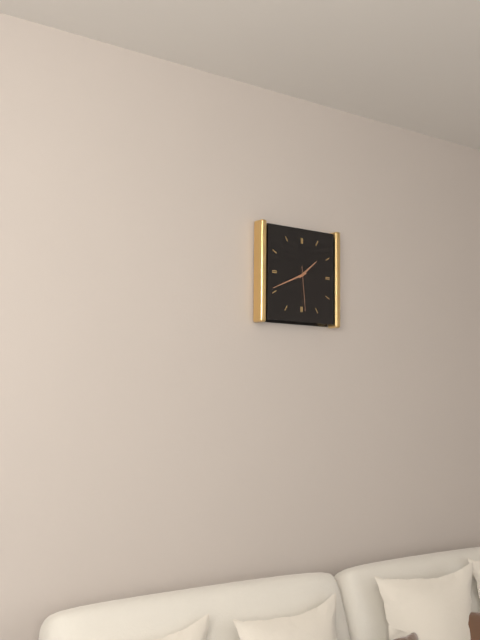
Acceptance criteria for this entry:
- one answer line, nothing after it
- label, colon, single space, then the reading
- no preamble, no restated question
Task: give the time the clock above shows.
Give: 1:41
